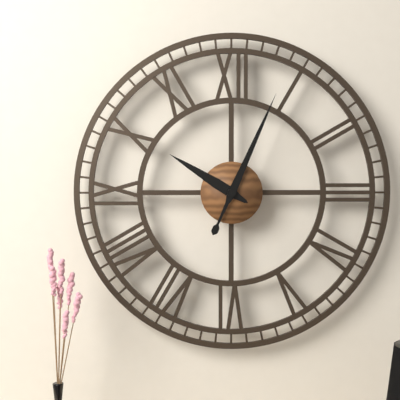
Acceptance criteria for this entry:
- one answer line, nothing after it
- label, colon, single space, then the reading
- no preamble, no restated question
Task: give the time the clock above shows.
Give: 10:04
